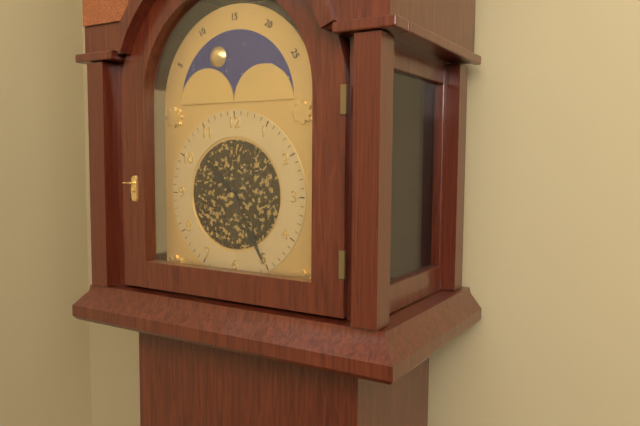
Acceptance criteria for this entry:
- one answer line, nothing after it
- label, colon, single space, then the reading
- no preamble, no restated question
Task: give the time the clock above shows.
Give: 10:25
